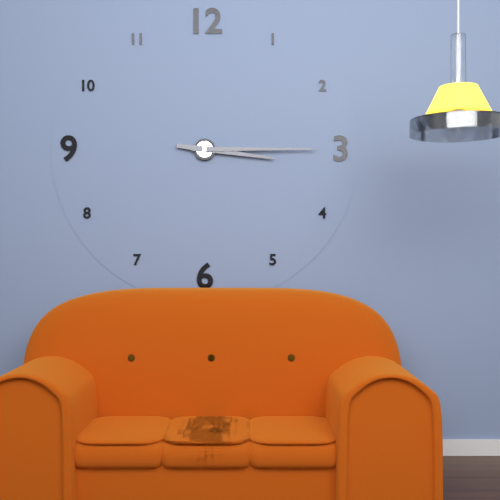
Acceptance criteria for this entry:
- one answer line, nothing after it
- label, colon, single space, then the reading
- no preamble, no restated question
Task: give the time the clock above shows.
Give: 3:15
